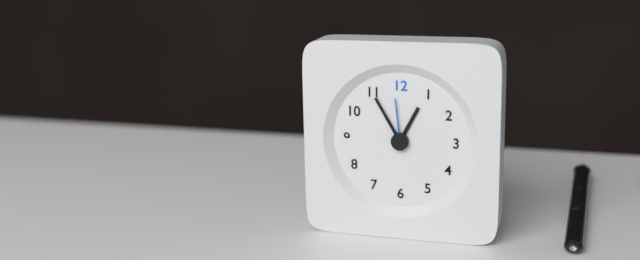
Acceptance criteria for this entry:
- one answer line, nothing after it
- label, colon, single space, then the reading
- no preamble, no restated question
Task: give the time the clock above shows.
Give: 12:55:59
